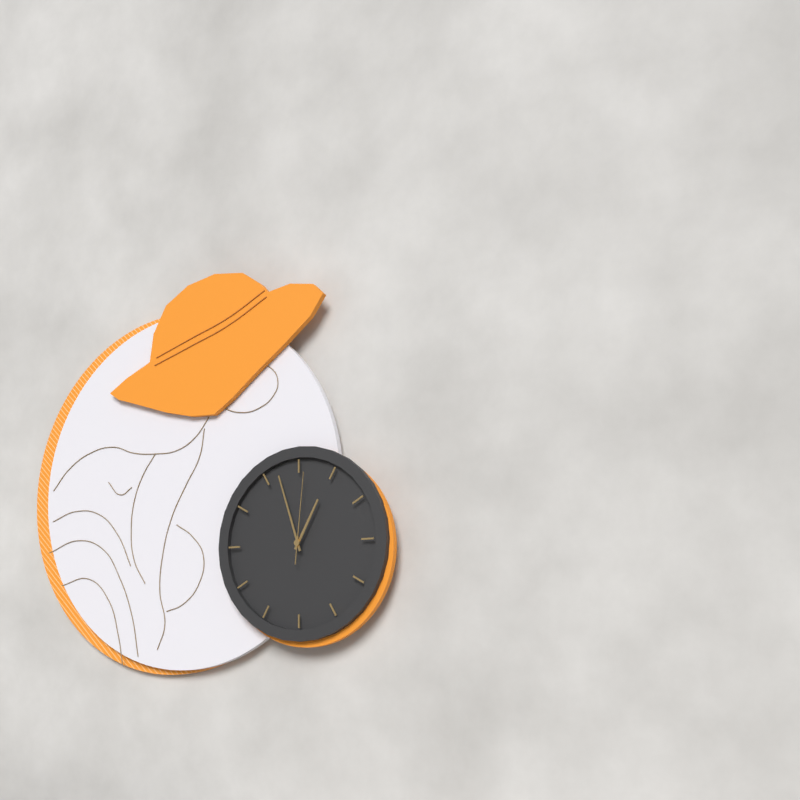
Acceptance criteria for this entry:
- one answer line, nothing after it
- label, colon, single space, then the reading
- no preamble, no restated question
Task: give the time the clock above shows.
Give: 12:57:01
